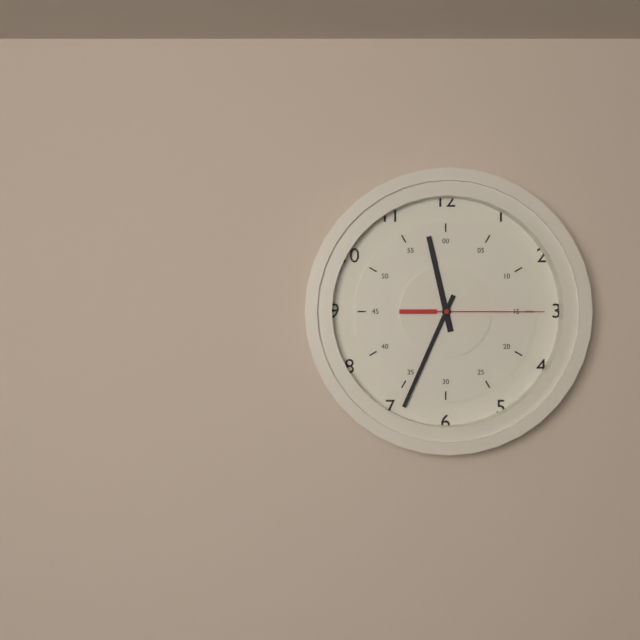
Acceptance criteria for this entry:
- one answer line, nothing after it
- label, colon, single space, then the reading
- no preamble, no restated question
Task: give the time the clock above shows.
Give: 11:34:15
